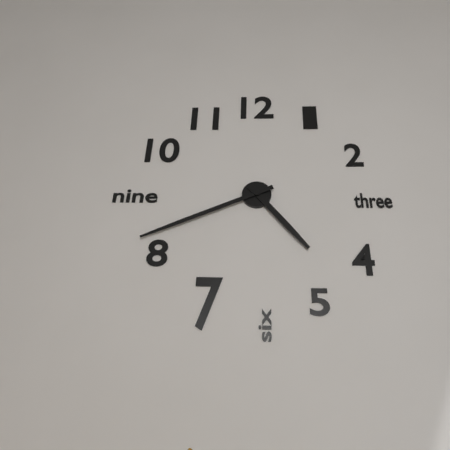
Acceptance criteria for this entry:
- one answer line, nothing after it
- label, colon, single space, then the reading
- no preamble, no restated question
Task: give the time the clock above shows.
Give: 4:41
